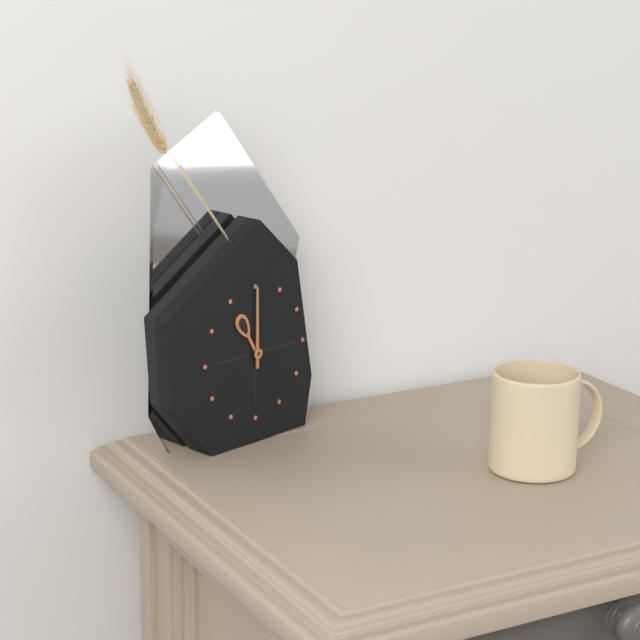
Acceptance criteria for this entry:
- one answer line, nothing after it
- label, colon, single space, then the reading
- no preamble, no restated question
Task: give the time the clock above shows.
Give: 11:00
